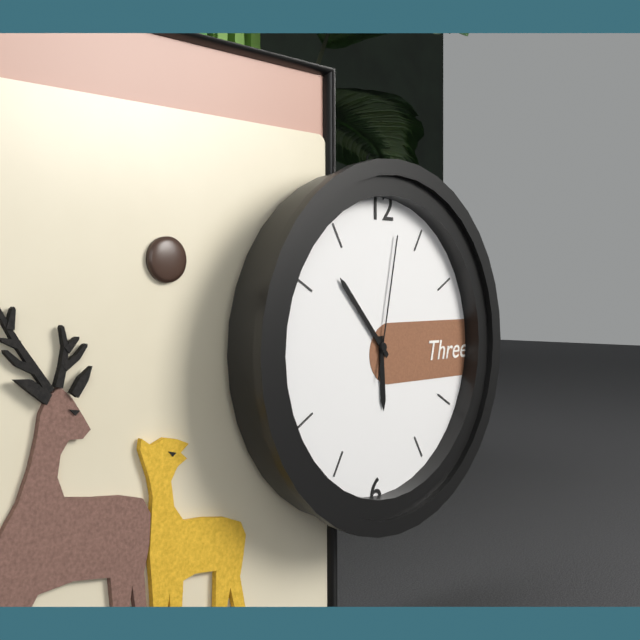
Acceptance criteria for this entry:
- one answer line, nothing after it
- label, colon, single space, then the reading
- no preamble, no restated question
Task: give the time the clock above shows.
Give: 5:53:02
